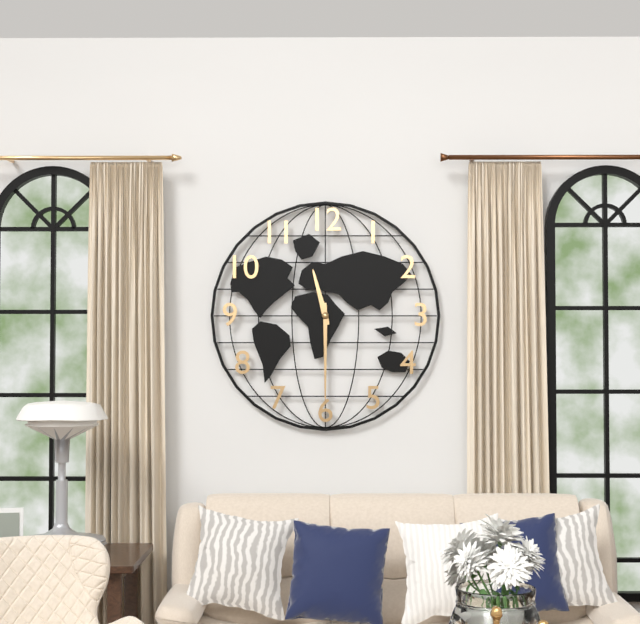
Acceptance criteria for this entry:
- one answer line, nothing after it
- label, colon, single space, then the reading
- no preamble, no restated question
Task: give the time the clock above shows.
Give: 11:30
